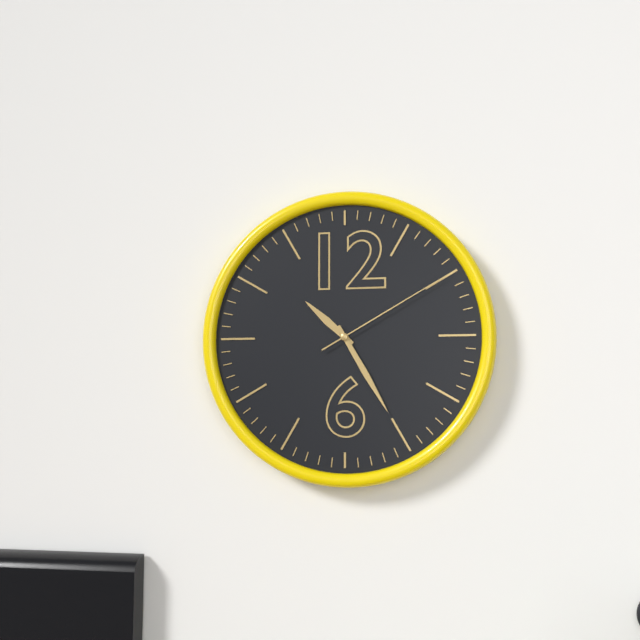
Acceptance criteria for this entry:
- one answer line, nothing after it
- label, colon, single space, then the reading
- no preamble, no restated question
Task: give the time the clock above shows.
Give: 10:25:10
